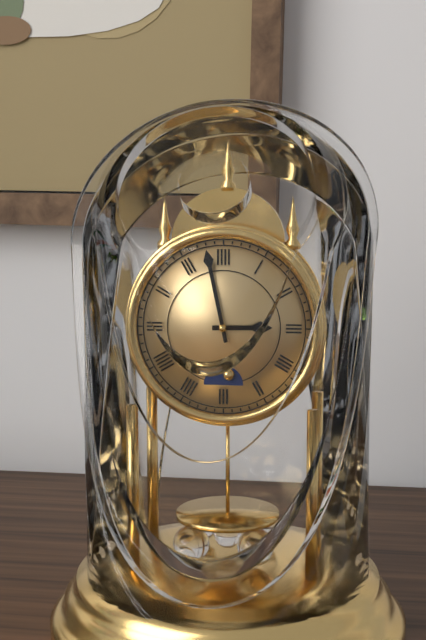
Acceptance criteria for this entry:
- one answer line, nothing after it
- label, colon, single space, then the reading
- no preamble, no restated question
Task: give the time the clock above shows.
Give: 2:58
